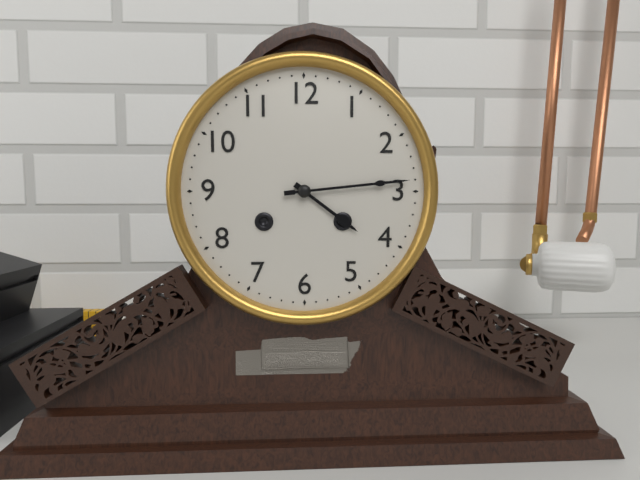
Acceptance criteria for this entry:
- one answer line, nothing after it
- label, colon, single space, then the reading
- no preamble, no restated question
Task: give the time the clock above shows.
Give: 4:14
